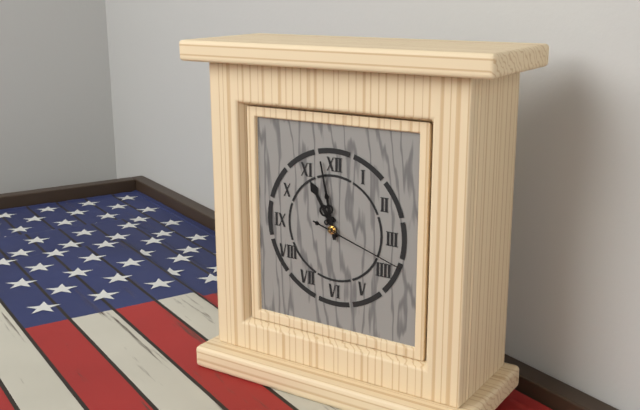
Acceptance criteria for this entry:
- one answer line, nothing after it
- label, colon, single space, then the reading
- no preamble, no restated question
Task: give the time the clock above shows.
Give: 10:58:18
